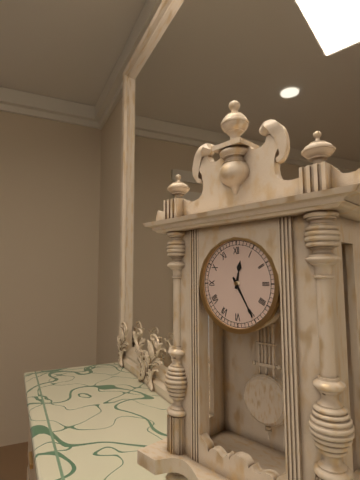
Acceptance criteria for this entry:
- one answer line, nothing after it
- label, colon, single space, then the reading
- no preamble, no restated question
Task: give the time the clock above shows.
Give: 12:25
